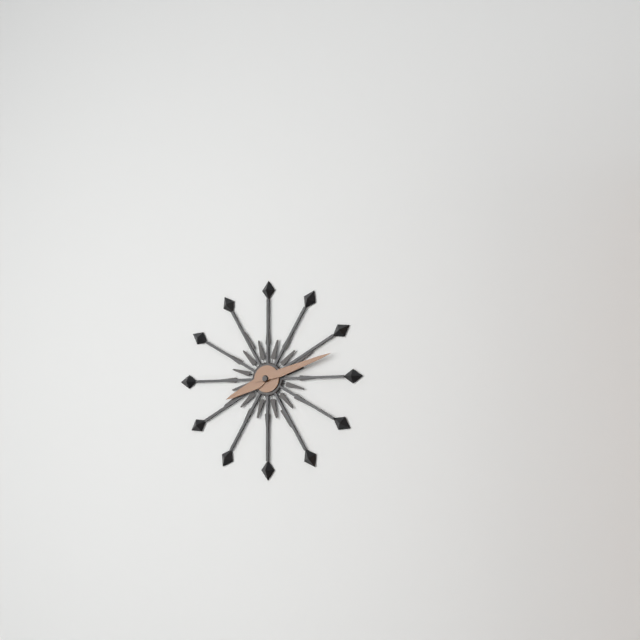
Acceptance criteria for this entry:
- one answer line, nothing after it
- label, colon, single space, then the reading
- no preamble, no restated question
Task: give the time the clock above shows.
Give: 8:12
